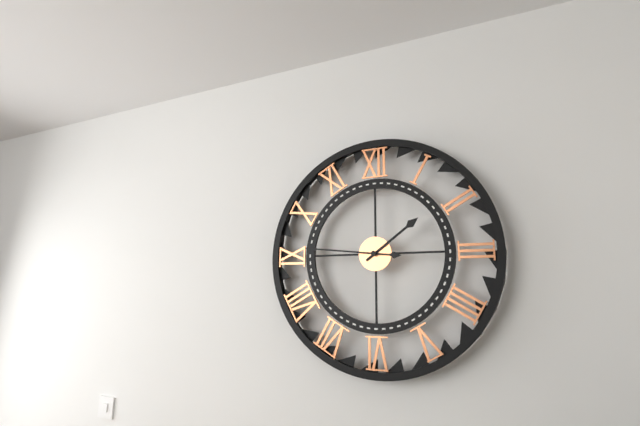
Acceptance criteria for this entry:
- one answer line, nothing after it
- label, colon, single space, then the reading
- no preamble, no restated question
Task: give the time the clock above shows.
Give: 1:46
